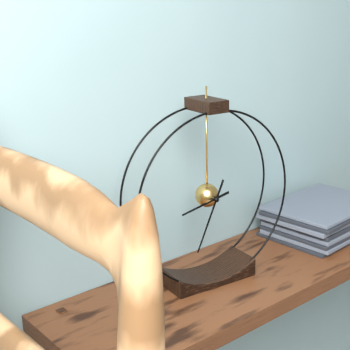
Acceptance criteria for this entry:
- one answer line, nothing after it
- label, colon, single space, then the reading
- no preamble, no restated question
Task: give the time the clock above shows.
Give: 8:34
